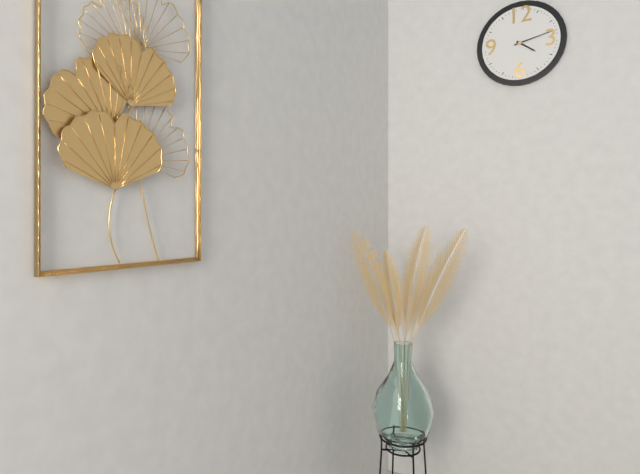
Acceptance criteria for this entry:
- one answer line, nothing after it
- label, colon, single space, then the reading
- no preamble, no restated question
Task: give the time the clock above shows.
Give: 4:13
